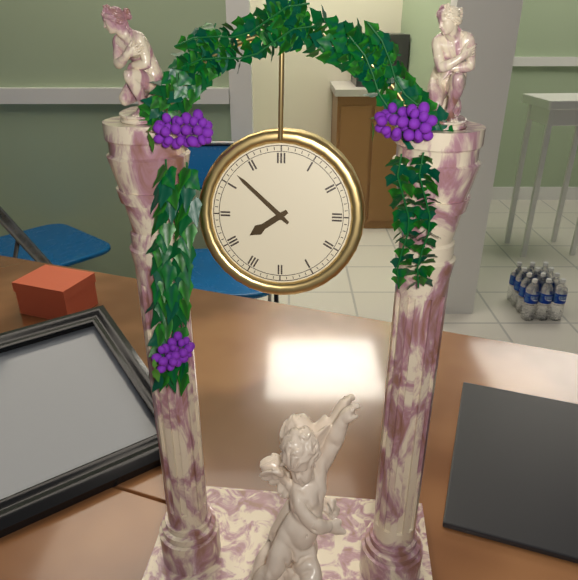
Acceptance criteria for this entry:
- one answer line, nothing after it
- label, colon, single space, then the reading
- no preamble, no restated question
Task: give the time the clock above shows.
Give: 7:52
